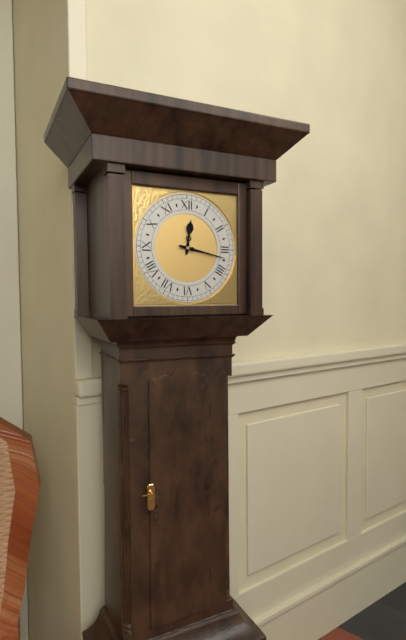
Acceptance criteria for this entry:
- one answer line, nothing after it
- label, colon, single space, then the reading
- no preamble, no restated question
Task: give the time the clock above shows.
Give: 12:17
